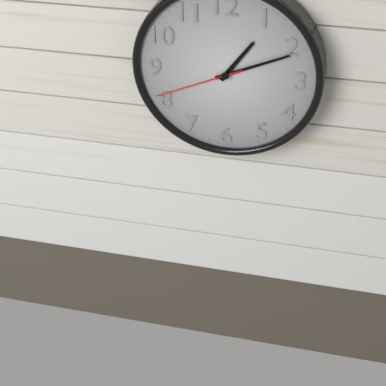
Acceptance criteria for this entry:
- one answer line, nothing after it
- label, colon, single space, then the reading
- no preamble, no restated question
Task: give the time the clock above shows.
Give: 1:11:41
